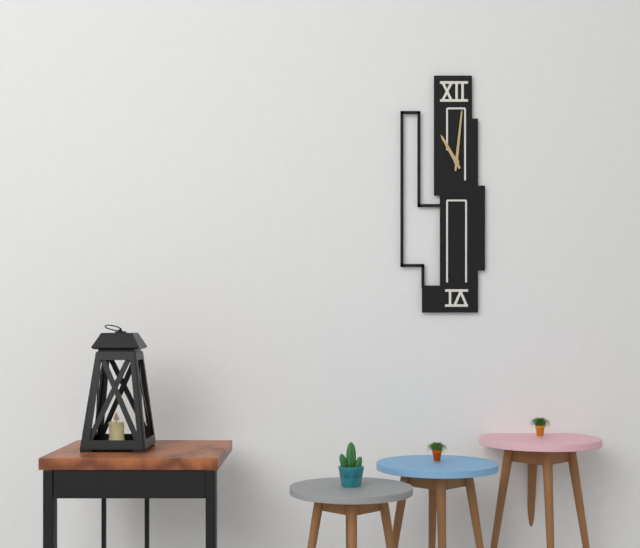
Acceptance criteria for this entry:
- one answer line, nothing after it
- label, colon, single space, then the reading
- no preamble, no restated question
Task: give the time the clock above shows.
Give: 11:01
